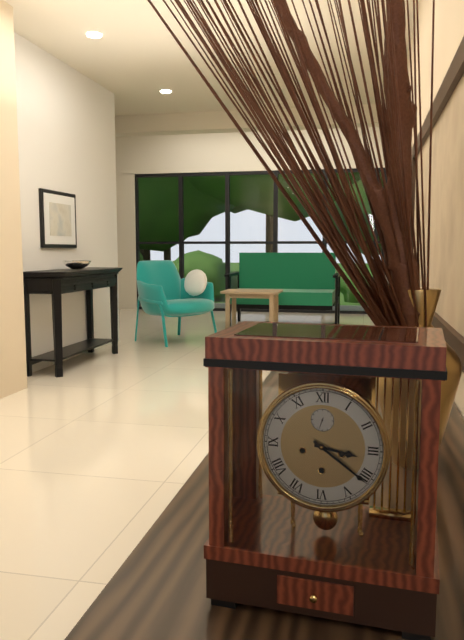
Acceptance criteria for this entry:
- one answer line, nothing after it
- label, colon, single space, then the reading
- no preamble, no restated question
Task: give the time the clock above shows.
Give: 3:21
